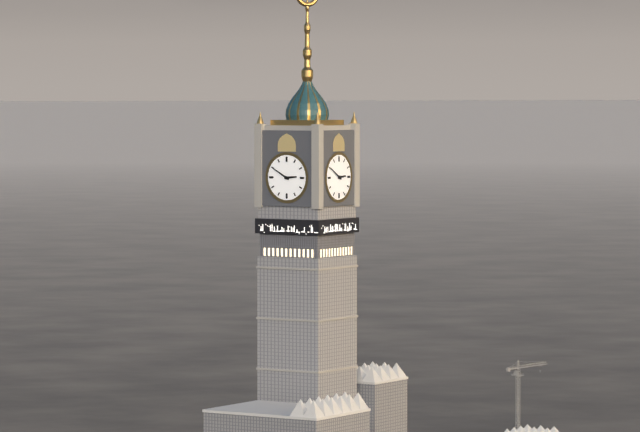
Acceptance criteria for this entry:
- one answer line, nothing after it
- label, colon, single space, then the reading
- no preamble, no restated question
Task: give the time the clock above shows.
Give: 2:50
